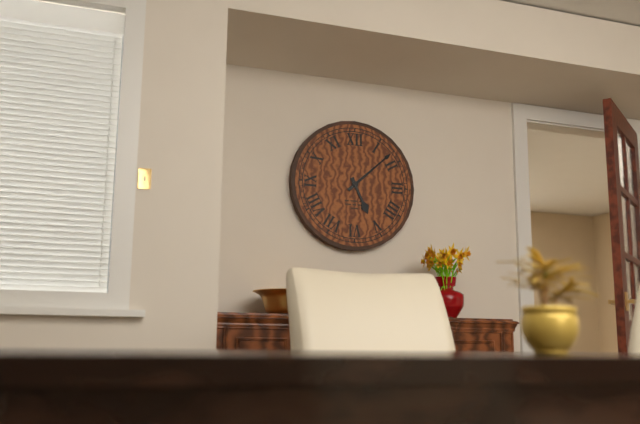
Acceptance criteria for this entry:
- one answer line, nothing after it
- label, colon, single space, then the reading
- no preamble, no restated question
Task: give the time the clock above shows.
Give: 5:08
